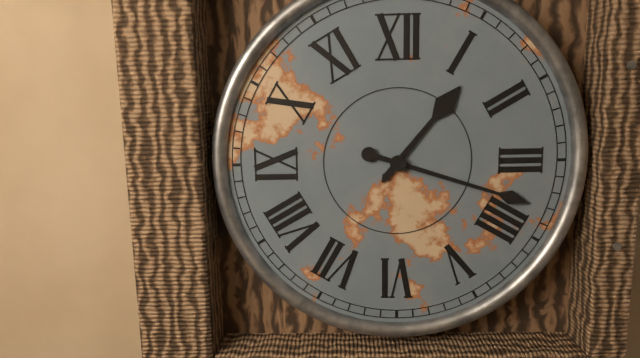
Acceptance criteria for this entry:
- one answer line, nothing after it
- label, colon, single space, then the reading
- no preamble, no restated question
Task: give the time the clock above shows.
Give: 1:18
